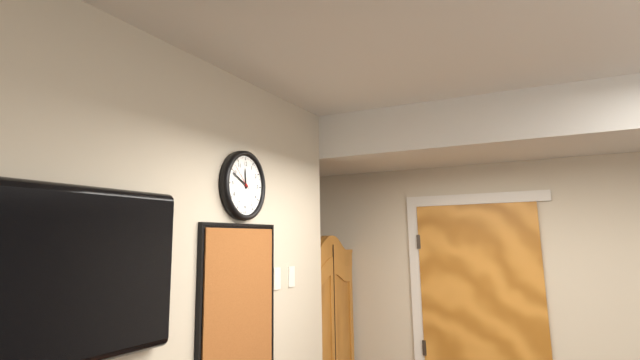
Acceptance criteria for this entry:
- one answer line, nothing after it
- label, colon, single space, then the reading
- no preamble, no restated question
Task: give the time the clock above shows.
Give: 11:49
